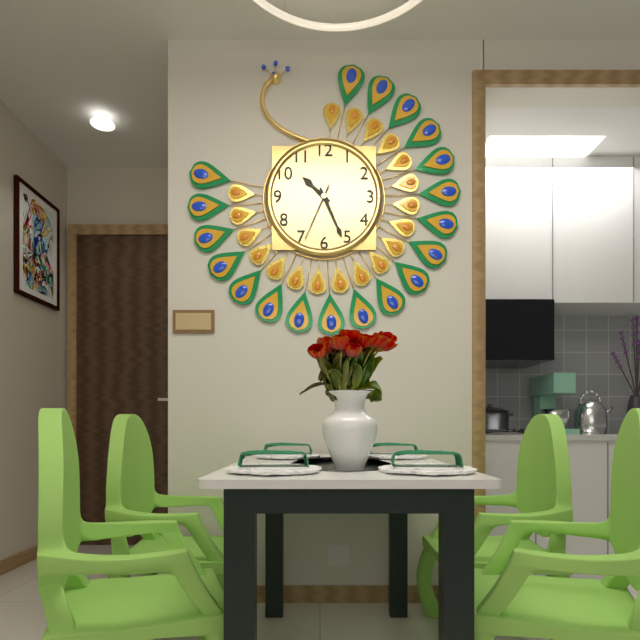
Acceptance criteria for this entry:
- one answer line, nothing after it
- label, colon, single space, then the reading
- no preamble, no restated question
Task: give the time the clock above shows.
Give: 10:26:34
